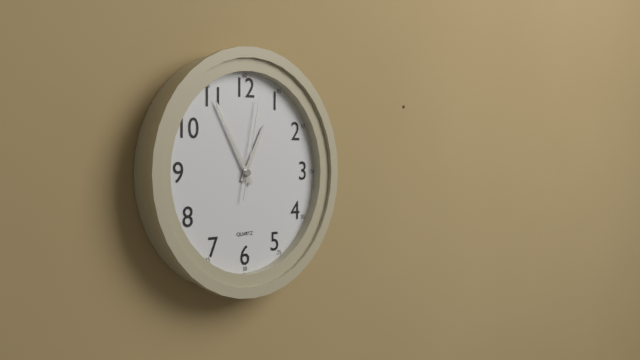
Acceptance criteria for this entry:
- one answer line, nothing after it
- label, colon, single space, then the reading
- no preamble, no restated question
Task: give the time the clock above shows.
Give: 12:55:02
